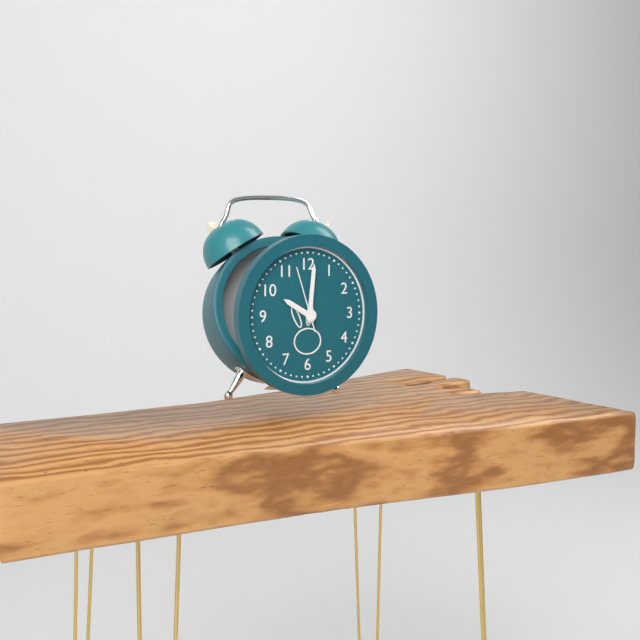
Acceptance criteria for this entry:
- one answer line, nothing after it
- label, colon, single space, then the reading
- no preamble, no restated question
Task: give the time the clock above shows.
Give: 10:01:57
